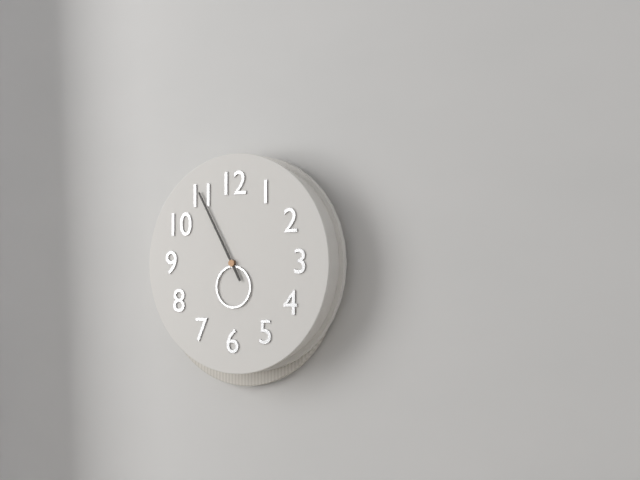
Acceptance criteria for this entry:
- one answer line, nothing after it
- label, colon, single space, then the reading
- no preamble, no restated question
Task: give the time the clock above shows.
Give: 5:55
